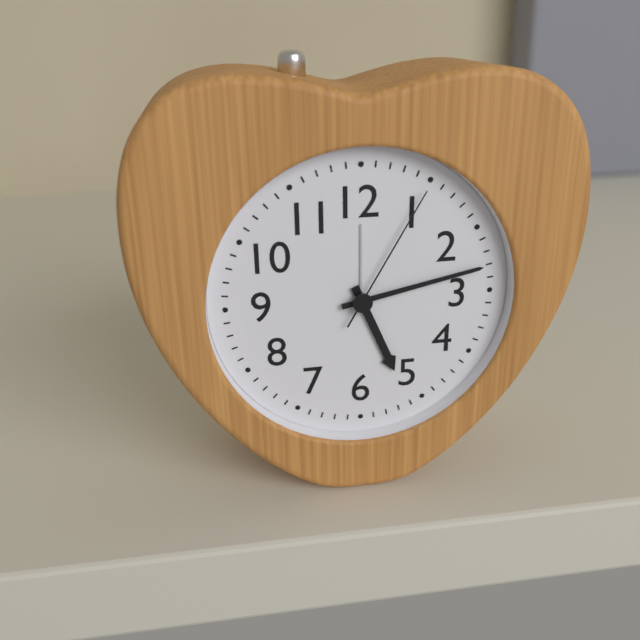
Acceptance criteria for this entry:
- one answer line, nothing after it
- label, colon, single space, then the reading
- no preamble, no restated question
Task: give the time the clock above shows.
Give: 5:13:05
